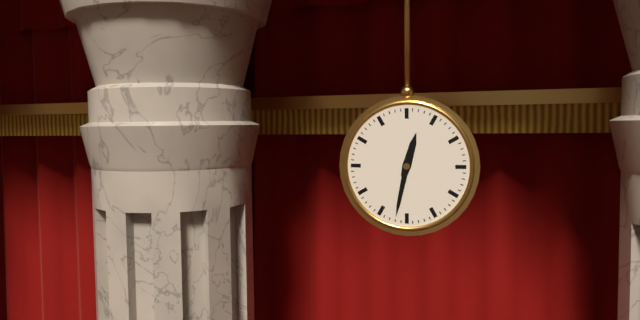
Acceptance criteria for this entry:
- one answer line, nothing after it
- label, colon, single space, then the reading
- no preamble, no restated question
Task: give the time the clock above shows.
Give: 12:32
